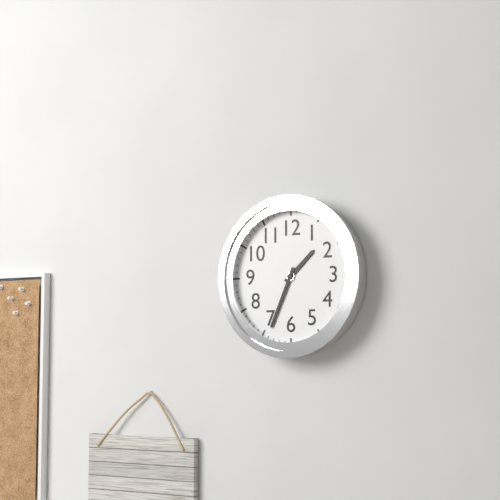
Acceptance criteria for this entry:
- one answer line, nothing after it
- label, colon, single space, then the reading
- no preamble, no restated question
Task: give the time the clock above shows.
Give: 1:34
